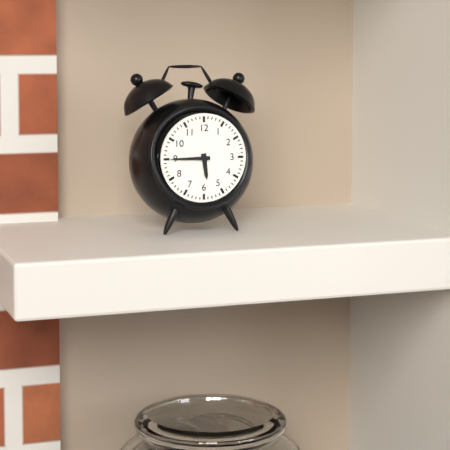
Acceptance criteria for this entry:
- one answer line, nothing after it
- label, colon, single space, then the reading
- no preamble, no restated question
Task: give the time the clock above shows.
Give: 5:45
